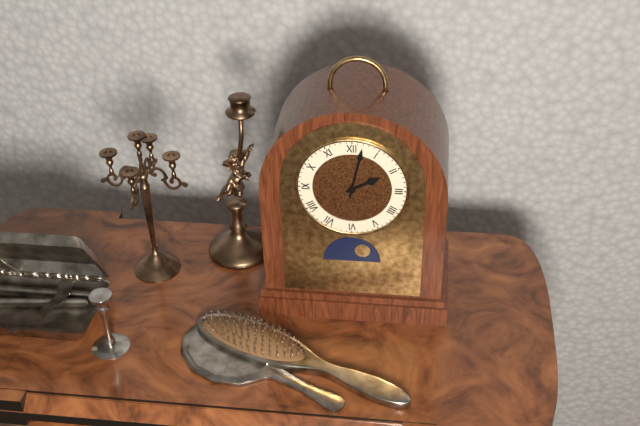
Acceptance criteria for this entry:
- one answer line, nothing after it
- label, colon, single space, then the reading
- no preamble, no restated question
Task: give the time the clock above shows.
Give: 2:02
